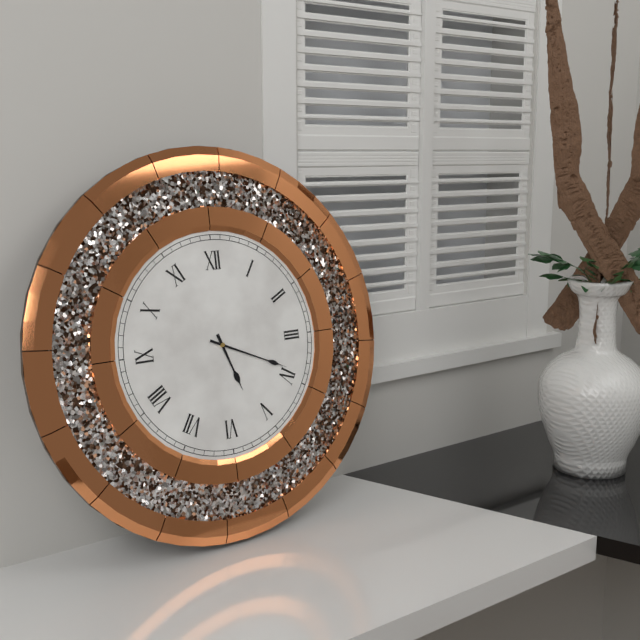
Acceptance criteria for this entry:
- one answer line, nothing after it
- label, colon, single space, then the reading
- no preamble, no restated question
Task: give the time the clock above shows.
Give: 5:19
